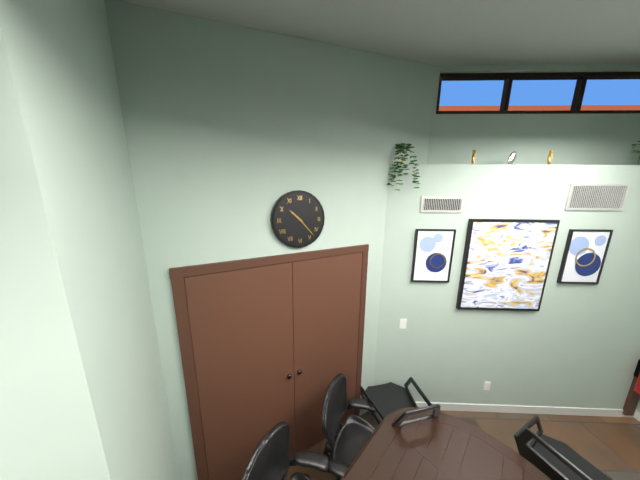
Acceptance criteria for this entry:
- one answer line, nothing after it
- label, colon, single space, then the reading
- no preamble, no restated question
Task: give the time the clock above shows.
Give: 10:23
